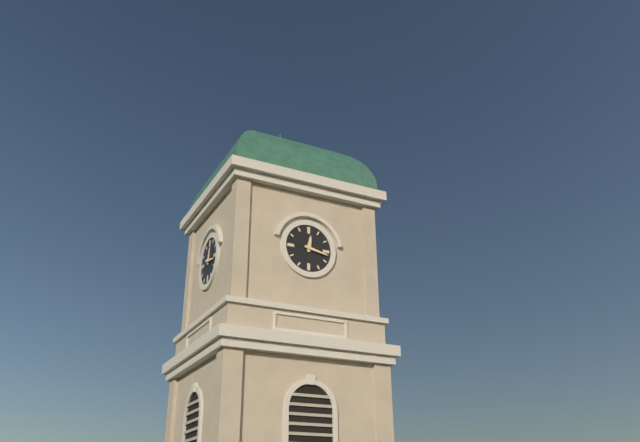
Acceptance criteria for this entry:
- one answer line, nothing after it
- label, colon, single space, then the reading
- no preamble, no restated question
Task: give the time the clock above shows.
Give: 12:17
